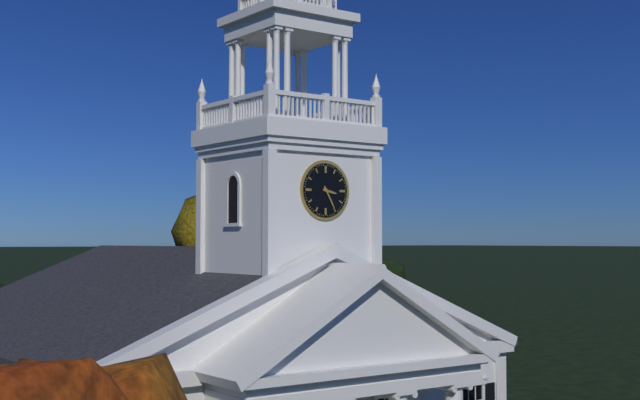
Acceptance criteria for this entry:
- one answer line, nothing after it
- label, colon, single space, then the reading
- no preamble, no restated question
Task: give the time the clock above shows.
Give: 3:25
